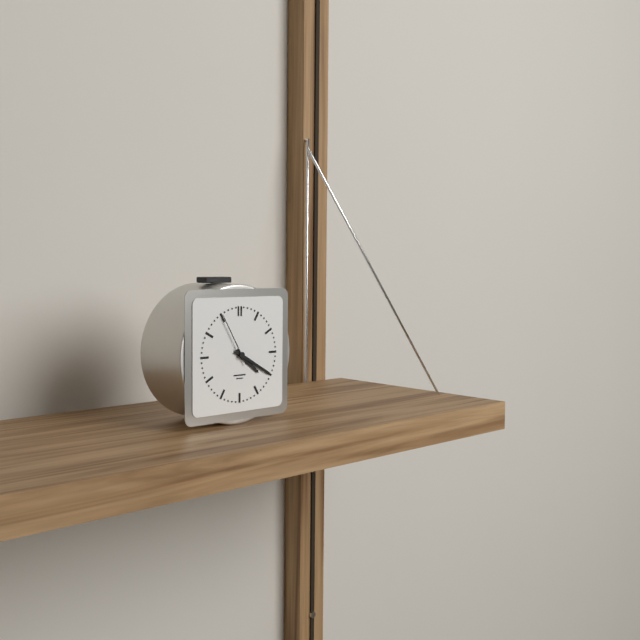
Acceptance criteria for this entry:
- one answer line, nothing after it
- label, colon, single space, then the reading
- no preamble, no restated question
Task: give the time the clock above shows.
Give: 4:20:55
